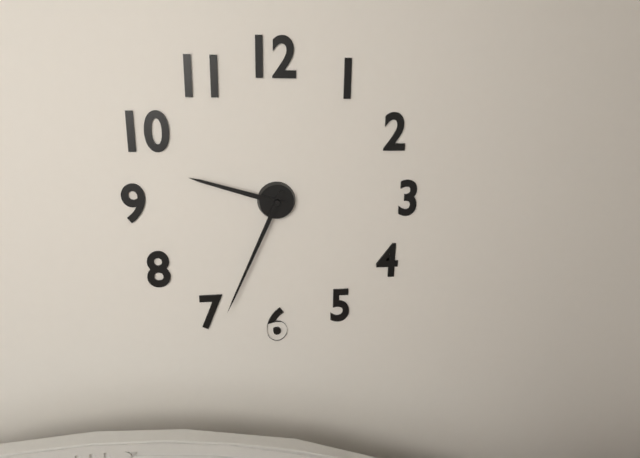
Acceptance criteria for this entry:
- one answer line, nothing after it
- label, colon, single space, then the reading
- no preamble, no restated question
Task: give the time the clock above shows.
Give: 9:34
